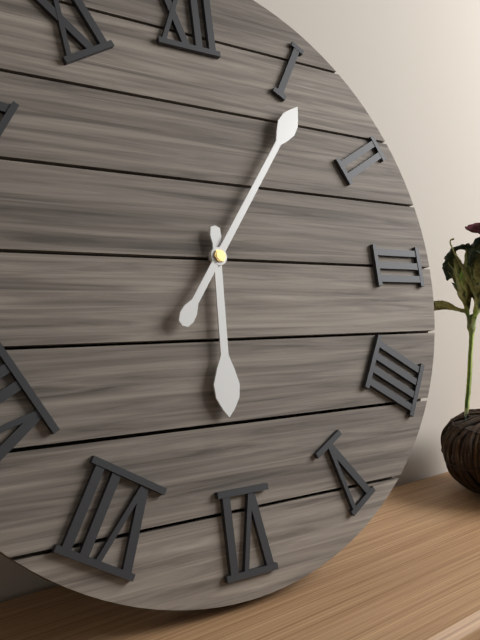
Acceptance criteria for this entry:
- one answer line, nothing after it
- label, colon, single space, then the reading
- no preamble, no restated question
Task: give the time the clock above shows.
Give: 6:06
